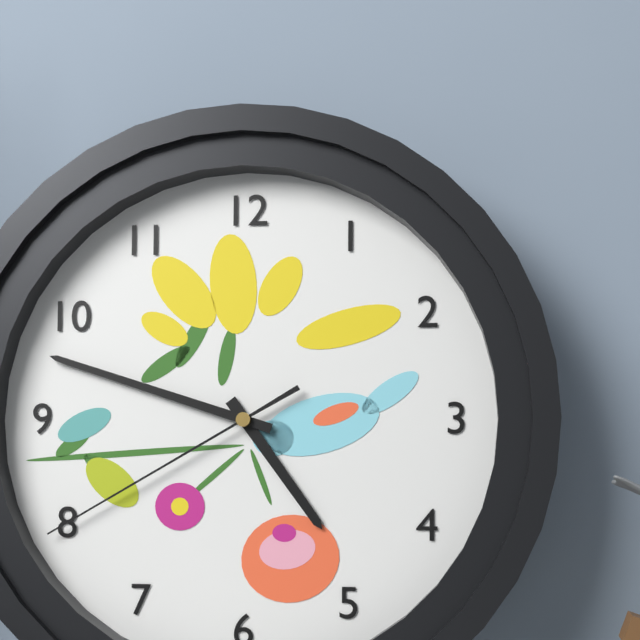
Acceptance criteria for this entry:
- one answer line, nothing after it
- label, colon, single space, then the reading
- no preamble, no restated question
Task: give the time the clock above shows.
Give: 4:48:40
